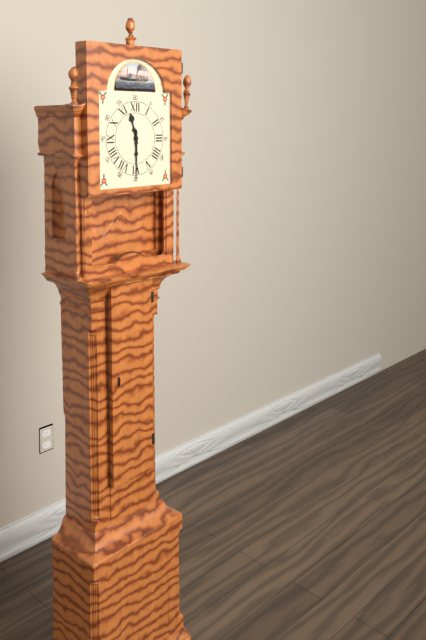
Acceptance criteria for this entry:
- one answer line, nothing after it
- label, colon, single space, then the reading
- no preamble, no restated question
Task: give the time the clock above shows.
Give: 11:30
